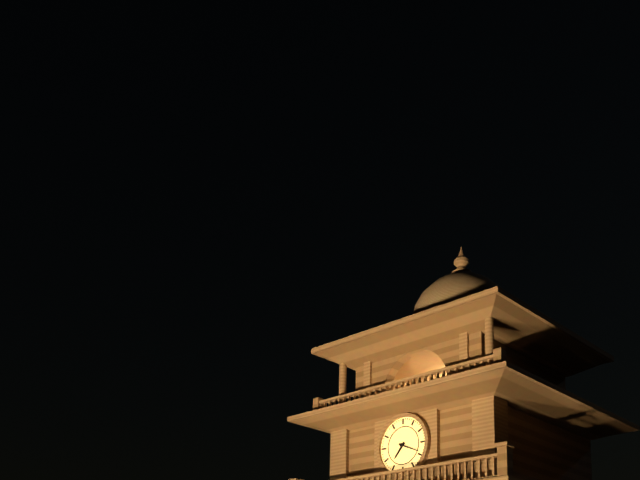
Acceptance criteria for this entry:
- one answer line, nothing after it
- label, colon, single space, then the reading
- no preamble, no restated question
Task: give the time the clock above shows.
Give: 7:19
